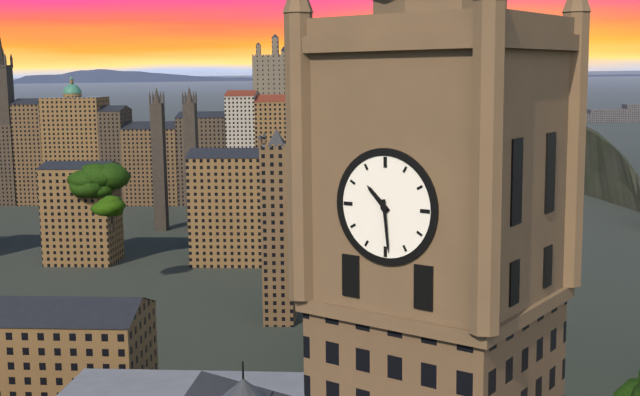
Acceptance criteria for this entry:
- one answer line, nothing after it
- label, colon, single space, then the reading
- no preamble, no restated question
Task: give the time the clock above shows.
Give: 10:29
